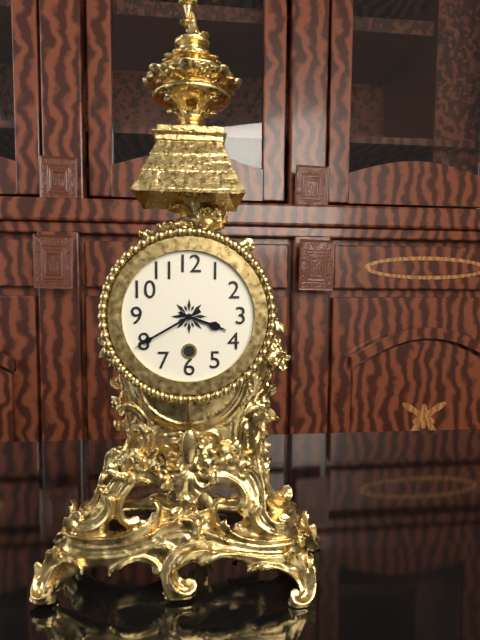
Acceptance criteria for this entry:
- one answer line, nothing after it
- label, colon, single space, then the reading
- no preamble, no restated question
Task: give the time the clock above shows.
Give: 3:40
